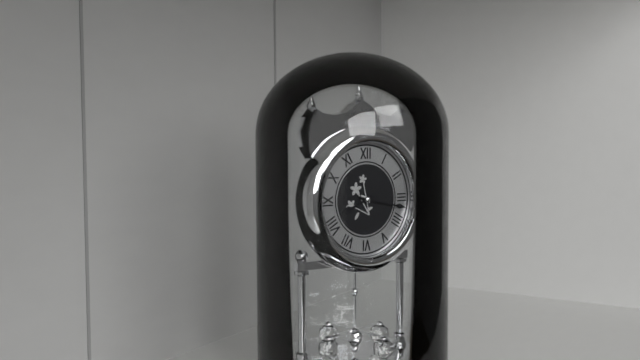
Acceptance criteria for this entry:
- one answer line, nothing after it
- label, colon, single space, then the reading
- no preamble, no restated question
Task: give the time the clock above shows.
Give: 8:17
